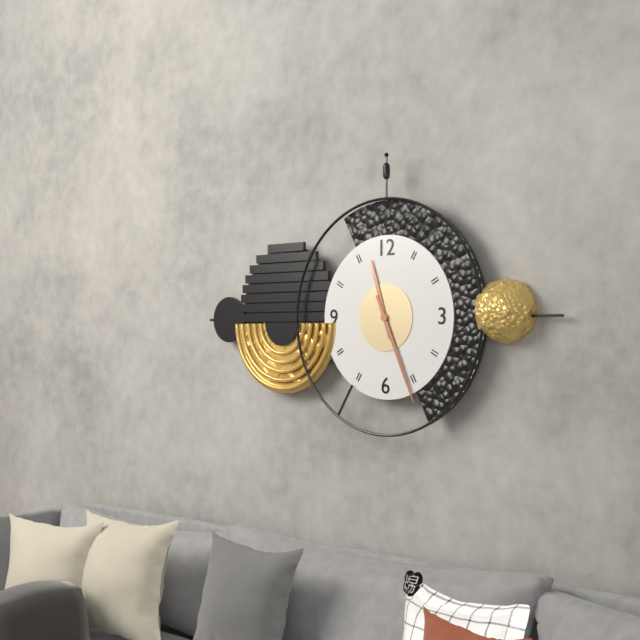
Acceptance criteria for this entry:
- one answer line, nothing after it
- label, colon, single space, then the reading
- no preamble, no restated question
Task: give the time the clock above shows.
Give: 11:26
